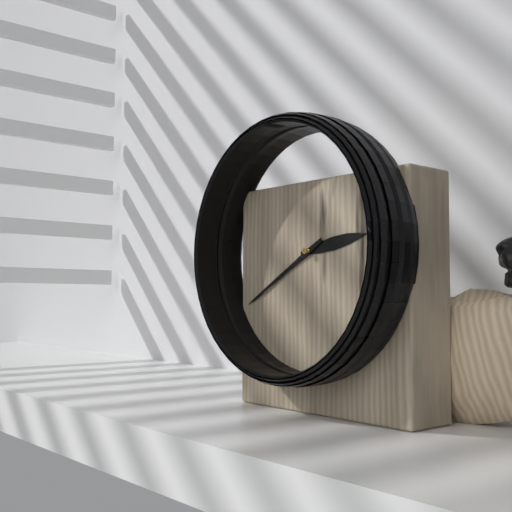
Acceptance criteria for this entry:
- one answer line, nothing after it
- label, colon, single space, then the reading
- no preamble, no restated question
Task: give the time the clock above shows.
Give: 2:40
